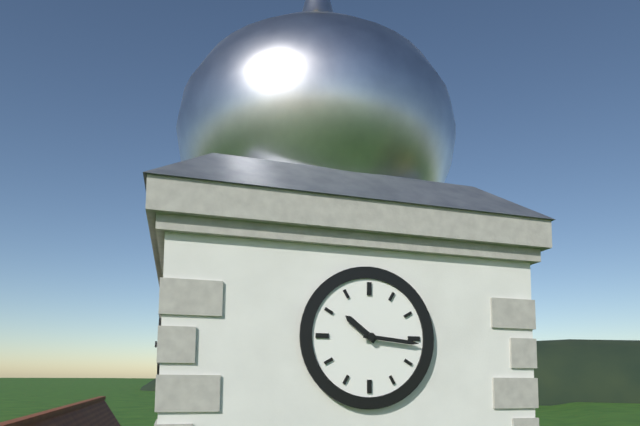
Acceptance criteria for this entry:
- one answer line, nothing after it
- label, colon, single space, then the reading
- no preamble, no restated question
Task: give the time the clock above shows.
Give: 10:16
